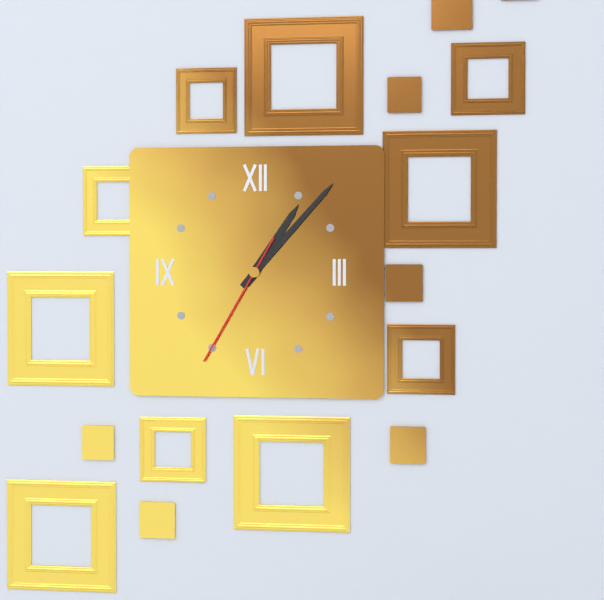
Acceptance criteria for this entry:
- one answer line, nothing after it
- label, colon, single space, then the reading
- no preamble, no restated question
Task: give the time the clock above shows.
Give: 1:07:35
